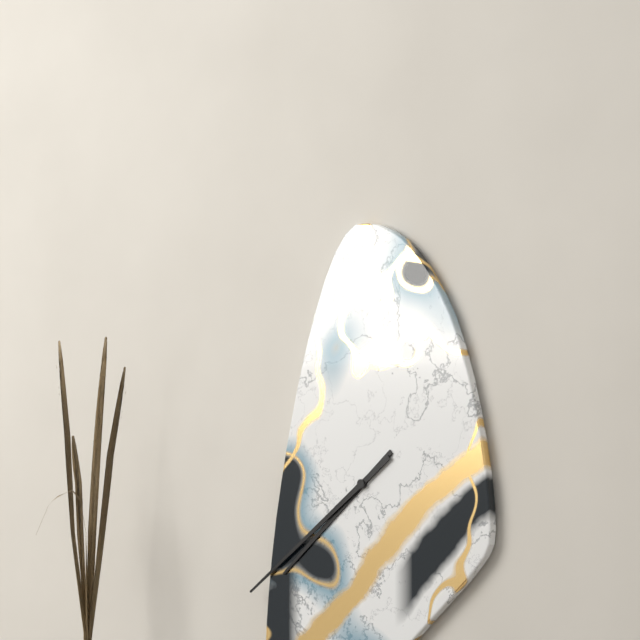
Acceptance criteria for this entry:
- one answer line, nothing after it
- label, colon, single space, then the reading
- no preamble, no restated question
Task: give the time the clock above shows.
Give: 7:39
